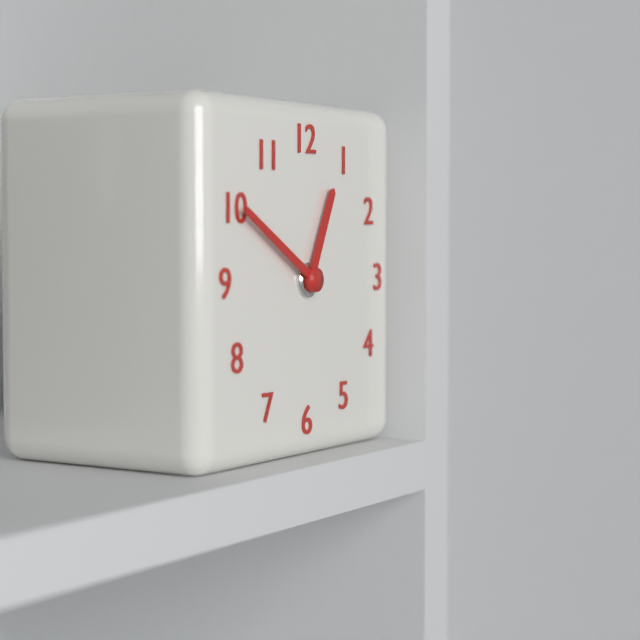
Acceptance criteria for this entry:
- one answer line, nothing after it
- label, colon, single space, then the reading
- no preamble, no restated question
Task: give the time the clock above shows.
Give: 12:50
